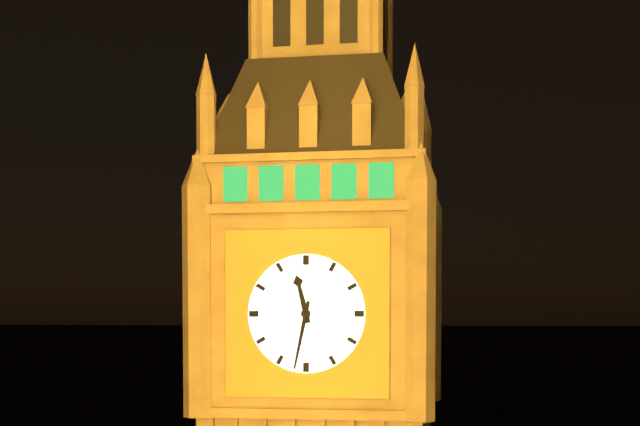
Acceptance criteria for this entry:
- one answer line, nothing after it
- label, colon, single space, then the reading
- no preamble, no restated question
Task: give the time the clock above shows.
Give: 11:32
